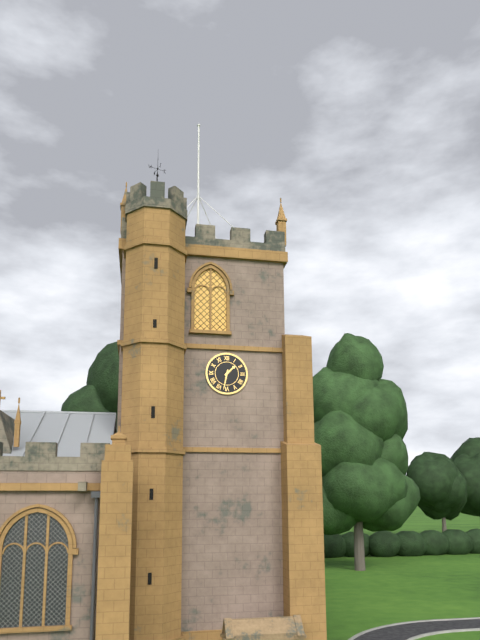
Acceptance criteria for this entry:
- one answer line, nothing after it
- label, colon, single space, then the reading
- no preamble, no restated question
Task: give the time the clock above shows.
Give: 1:32
